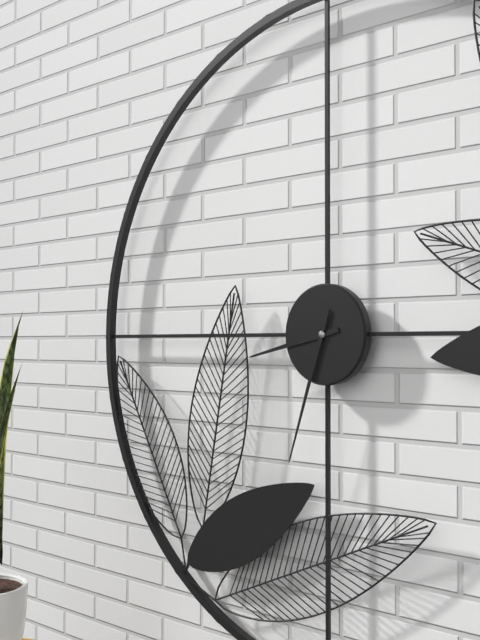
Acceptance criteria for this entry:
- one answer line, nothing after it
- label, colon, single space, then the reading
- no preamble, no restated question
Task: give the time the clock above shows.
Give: 8:33
